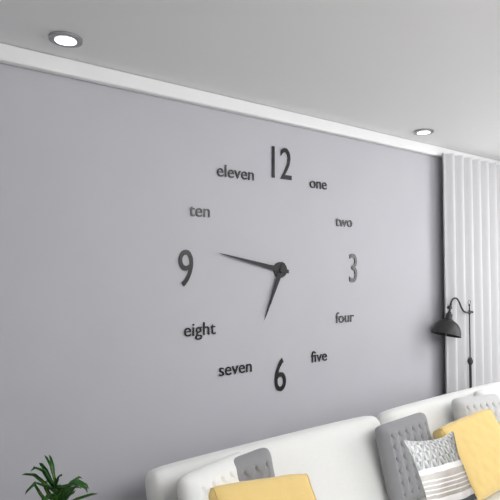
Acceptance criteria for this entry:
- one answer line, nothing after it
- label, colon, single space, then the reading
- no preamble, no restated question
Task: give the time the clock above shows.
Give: 6:47
